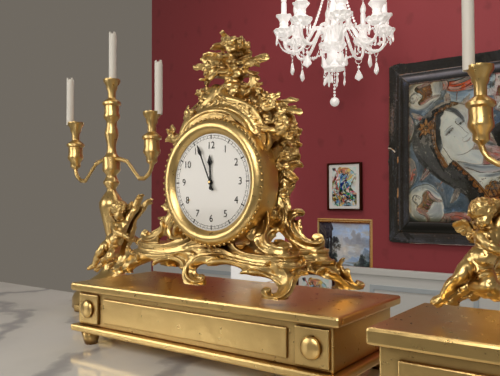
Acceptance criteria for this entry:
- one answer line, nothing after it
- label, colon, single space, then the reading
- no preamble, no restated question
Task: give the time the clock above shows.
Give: 11:56
